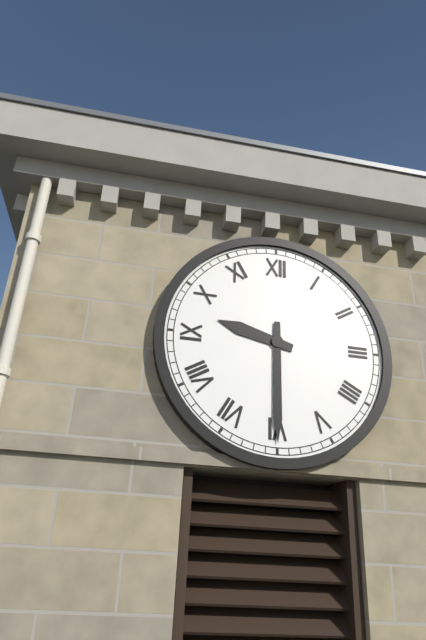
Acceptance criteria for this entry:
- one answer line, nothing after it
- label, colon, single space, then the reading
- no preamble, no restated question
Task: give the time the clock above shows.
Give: 9:30
